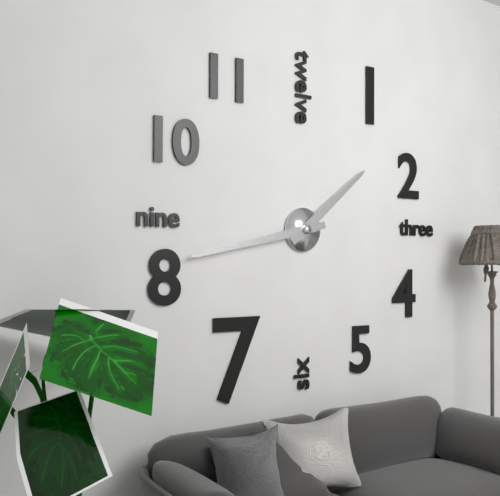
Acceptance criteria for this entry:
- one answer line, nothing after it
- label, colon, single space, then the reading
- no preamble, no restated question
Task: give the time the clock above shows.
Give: 1:43
